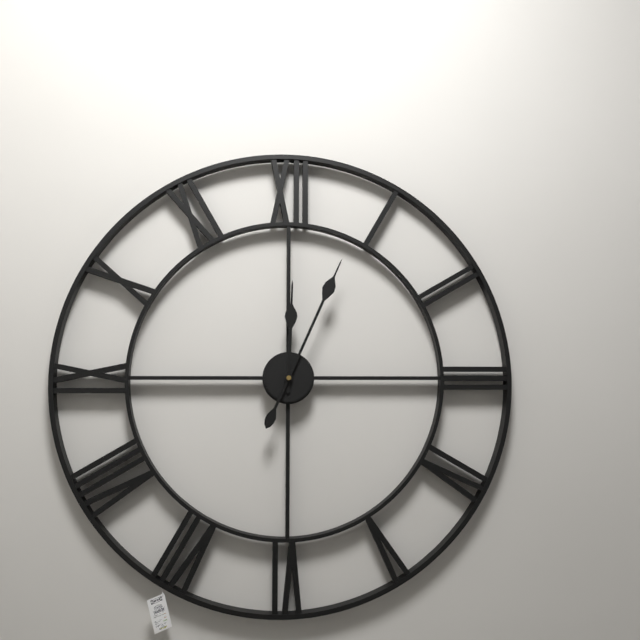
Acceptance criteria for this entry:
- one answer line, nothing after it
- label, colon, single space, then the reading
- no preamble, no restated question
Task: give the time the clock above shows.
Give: 12:04
